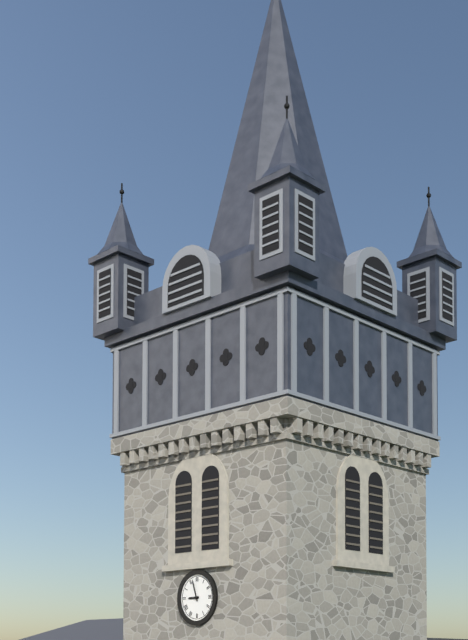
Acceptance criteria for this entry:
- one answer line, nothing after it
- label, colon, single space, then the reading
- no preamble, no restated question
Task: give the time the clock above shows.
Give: 8:57
